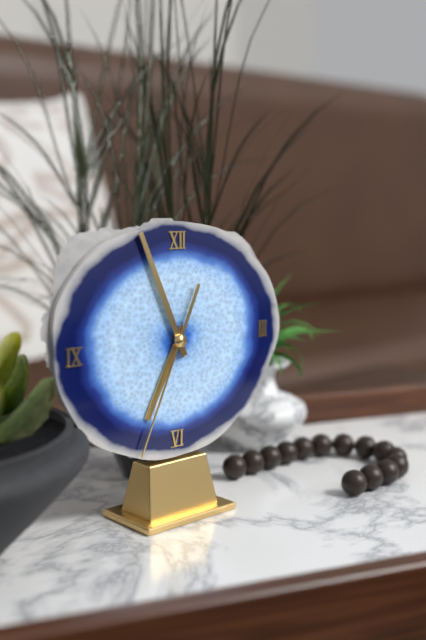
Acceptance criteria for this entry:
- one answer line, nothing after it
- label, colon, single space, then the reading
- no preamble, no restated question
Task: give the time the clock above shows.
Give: 6:56:34
